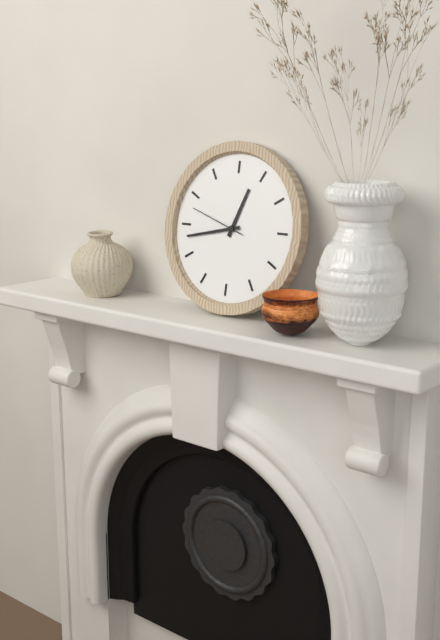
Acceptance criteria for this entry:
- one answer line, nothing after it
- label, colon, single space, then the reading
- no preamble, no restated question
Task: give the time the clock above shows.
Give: 12:43:48
